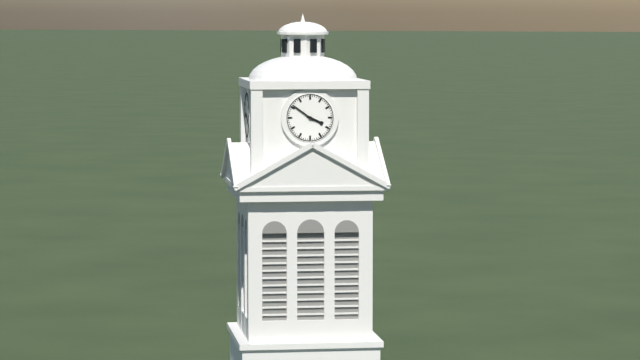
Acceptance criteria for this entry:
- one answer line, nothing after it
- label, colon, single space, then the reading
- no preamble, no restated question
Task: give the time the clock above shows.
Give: 3:51
